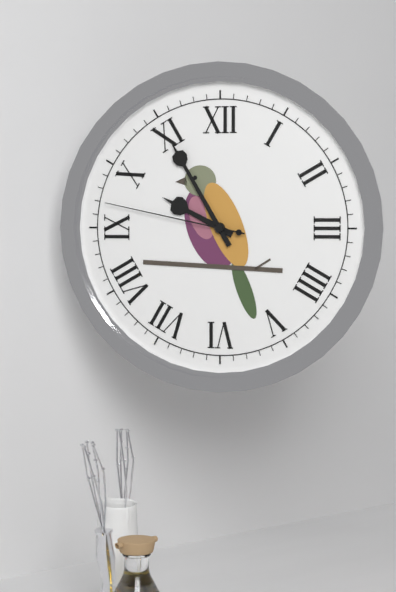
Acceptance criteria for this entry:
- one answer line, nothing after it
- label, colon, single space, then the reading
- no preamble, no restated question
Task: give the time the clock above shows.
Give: 9:55:47
